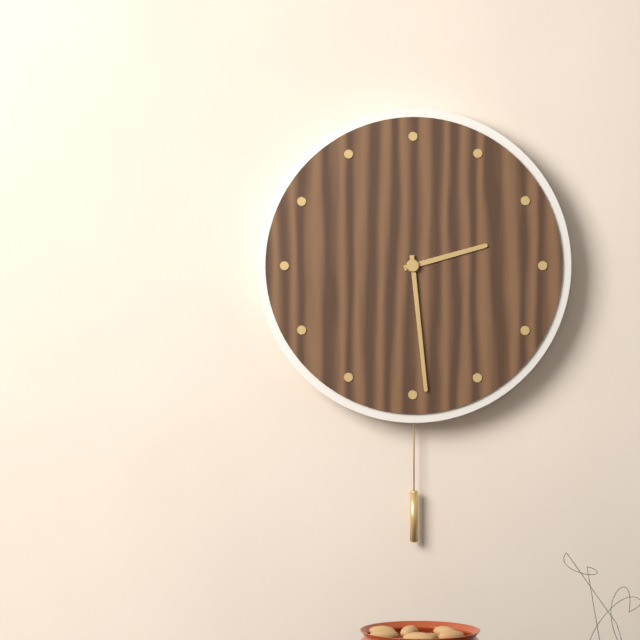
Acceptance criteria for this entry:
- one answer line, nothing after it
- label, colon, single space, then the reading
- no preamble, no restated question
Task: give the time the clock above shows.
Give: 2:29
